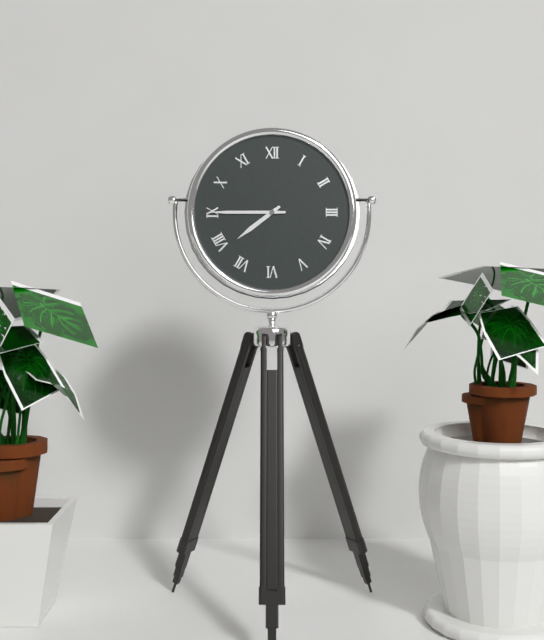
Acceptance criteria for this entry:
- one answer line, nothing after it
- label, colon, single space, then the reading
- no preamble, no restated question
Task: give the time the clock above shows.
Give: 7:45
